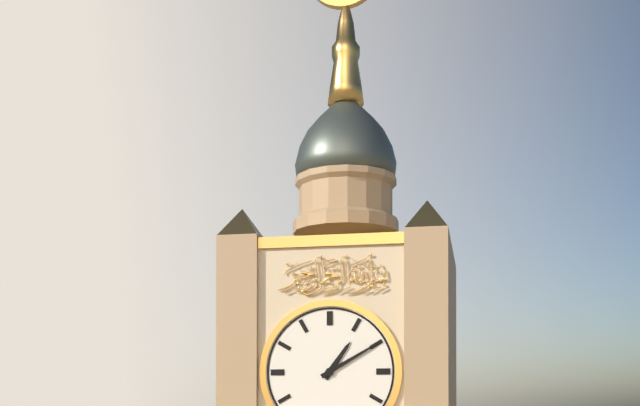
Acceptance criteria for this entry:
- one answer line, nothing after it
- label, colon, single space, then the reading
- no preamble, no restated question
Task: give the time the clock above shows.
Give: 1:10
